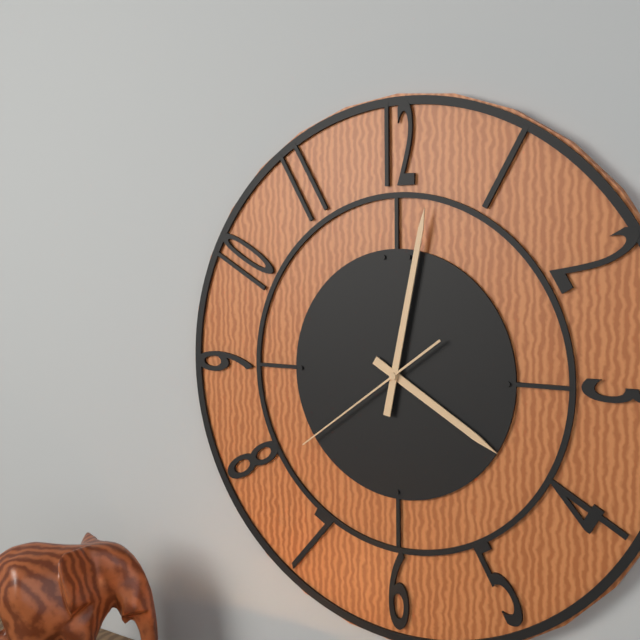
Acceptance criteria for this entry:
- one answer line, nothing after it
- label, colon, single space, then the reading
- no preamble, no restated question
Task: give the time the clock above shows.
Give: 4:02:39
